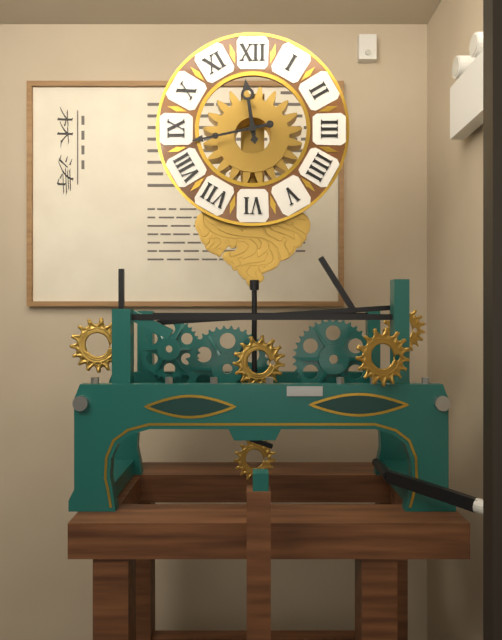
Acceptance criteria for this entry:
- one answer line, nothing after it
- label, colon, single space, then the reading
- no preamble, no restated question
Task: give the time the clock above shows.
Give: 11:43
